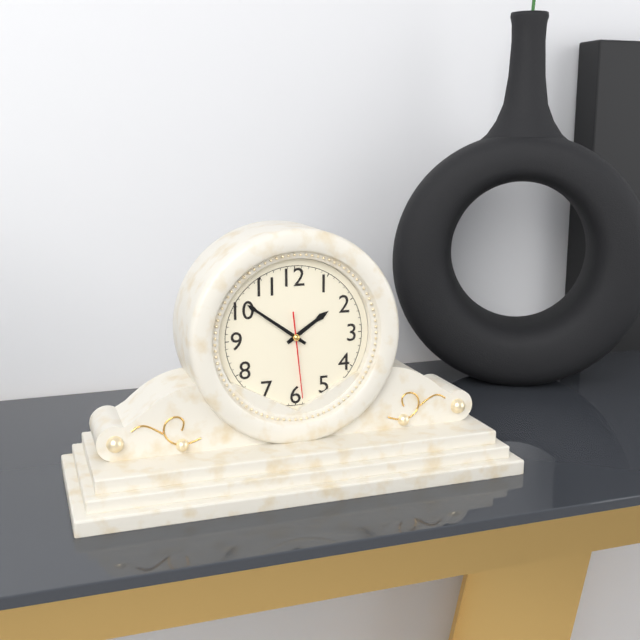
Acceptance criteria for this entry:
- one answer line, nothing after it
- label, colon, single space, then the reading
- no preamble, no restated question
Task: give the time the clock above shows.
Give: 1:51:29
